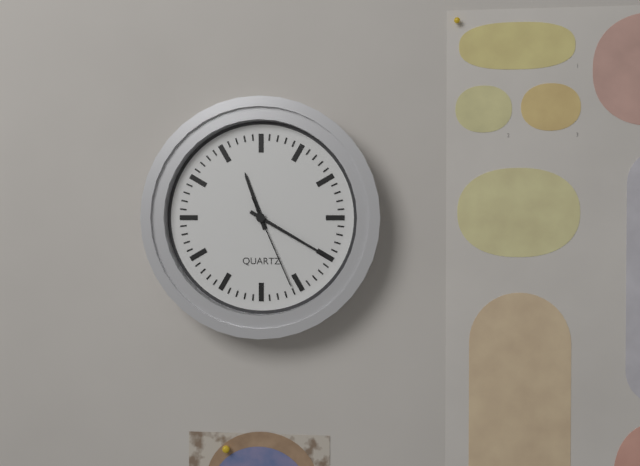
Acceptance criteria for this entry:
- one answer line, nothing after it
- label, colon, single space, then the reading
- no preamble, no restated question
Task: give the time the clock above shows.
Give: 11:20:26
